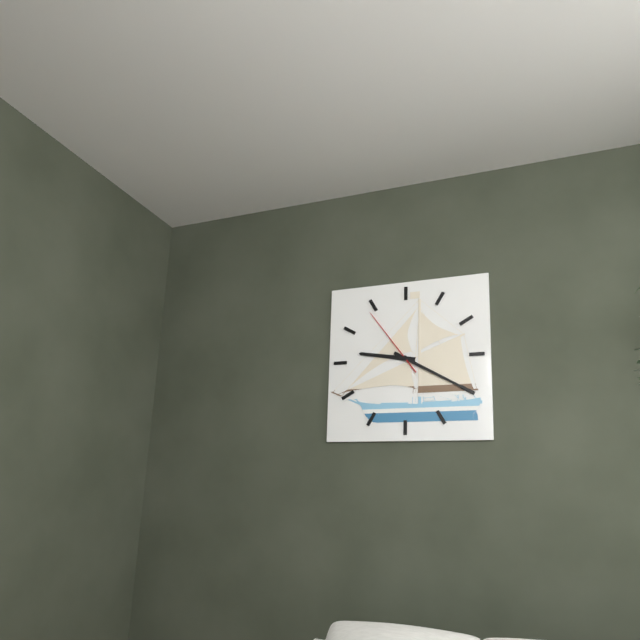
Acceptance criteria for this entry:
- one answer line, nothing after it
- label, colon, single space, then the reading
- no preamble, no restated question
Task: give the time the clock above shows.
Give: 9:20:54
